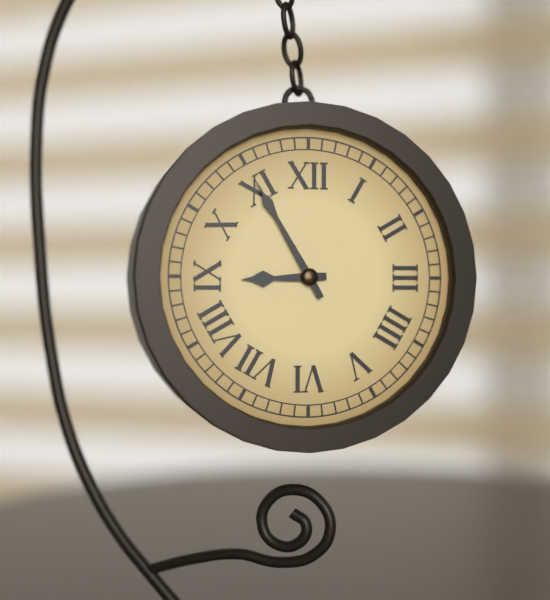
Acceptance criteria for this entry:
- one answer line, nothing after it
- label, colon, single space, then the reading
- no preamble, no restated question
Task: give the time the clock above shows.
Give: 8:55
